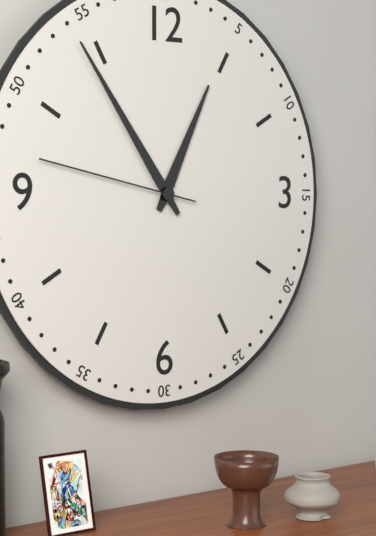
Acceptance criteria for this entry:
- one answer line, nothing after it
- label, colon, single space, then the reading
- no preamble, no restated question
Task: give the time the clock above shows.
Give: 12:54:47
